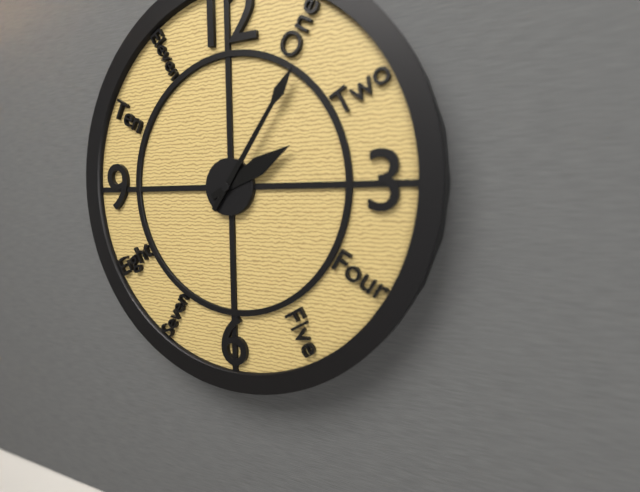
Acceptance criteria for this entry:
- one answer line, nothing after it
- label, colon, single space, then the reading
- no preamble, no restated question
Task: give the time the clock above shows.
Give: 2:06
